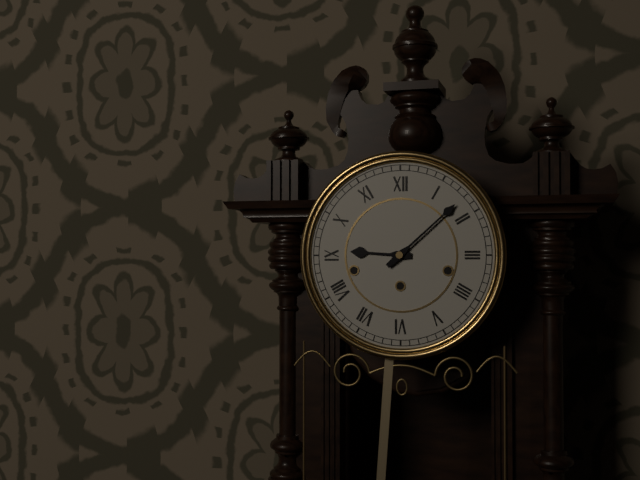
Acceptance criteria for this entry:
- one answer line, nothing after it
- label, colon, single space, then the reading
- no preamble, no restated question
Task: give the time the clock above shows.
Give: 9:08
